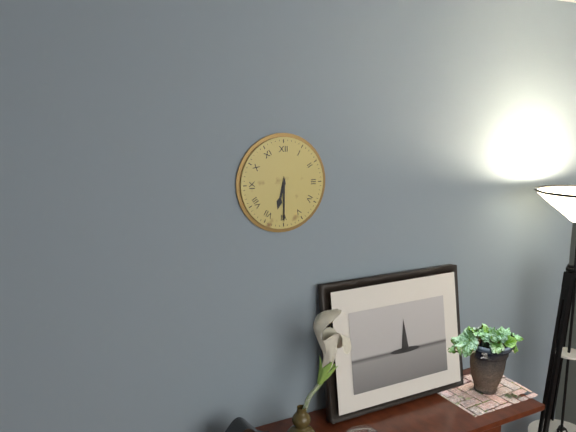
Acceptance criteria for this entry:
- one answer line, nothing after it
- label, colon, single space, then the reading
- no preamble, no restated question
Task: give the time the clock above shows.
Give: 6:30
